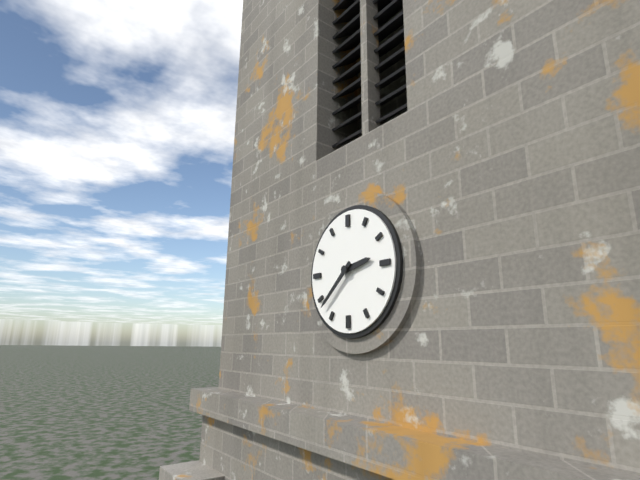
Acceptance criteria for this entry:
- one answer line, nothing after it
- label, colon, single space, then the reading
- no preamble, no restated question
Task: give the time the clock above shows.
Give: 2:38
